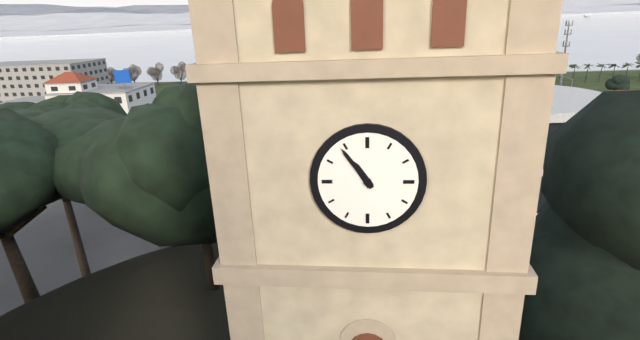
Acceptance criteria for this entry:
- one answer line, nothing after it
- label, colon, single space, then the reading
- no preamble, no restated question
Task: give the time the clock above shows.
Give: 10:54
